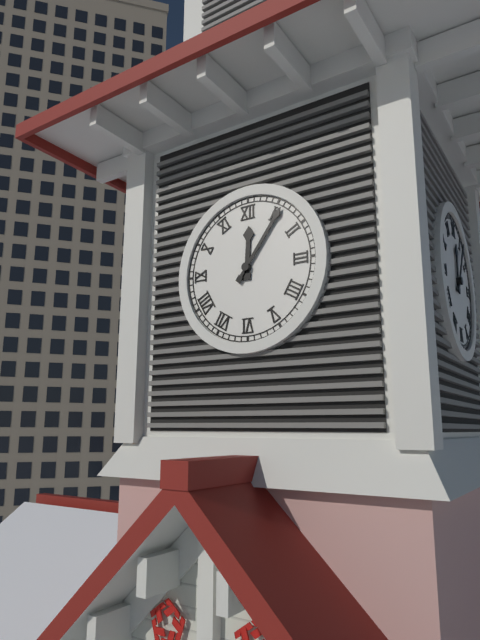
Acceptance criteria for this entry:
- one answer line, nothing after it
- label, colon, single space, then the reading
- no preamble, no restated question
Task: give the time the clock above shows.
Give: 12:06
